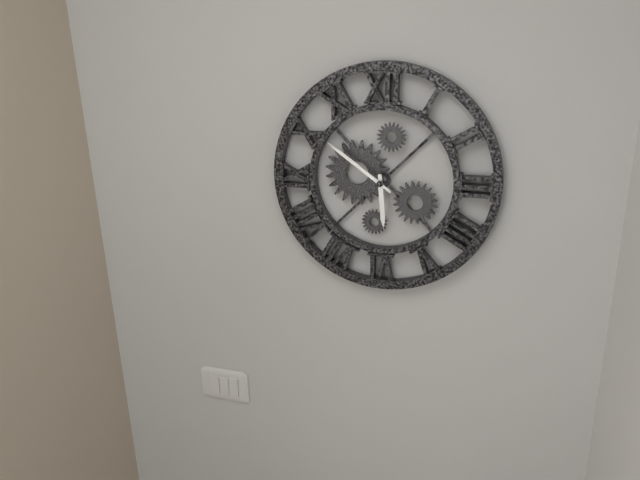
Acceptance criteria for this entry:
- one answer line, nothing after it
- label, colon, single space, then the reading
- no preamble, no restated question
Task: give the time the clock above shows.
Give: 5:51
